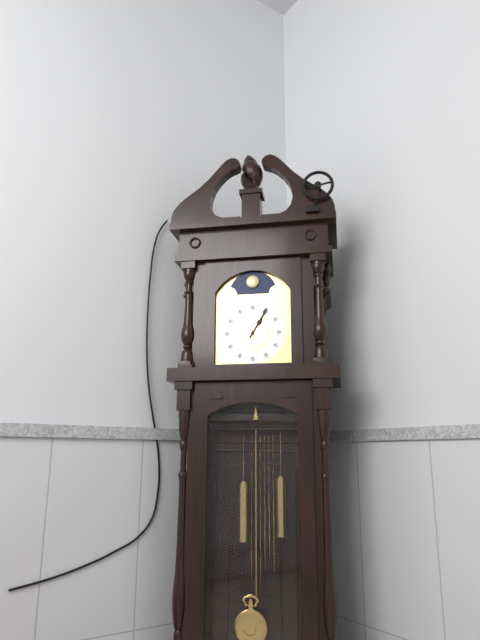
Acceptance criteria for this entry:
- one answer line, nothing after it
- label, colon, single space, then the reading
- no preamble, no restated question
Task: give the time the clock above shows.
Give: 1:05
